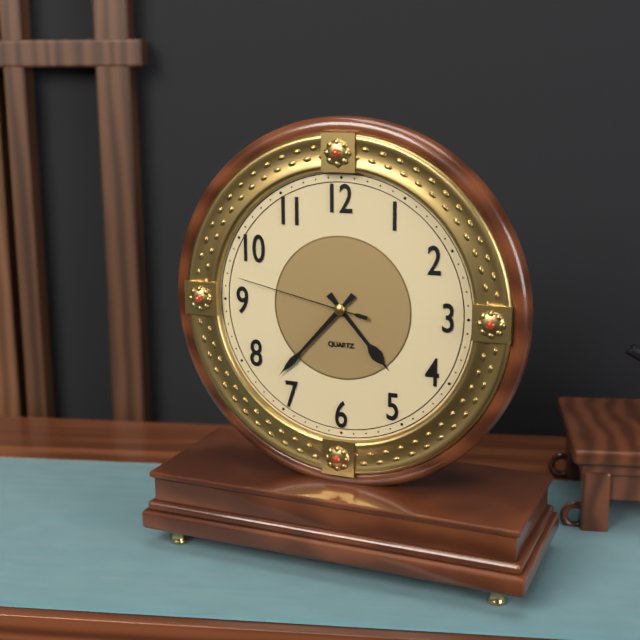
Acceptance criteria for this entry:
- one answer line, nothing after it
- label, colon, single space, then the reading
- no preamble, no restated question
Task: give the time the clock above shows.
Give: 4:37:47
